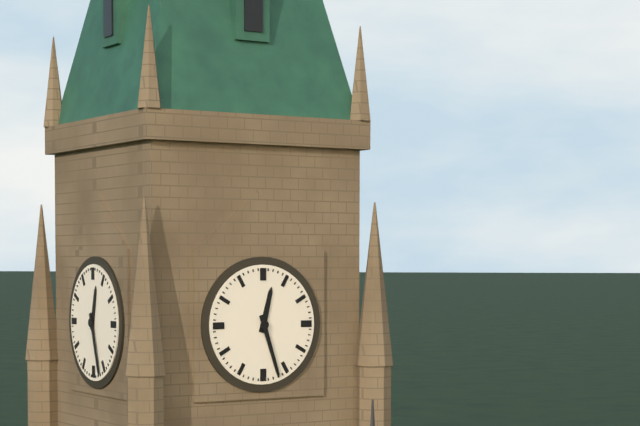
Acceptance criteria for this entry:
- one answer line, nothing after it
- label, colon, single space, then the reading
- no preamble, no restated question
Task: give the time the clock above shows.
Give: 12:27
